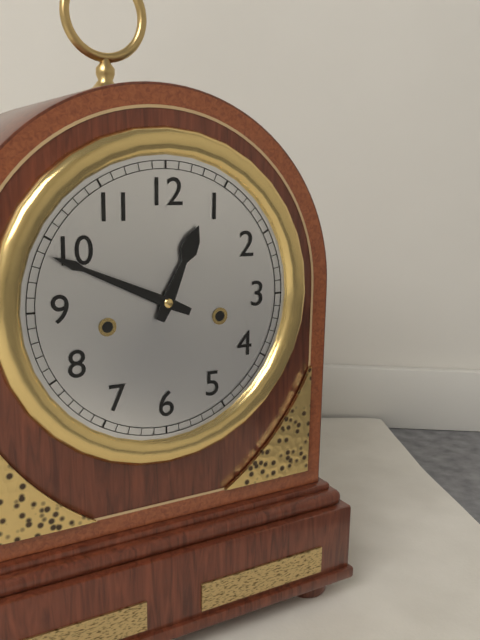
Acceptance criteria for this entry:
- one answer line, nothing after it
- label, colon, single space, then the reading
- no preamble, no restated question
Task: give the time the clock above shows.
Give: 12:49
